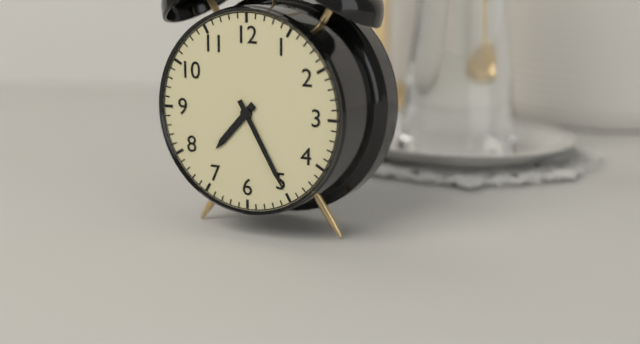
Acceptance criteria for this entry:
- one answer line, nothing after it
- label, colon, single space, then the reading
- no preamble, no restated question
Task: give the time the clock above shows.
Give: 7:25
